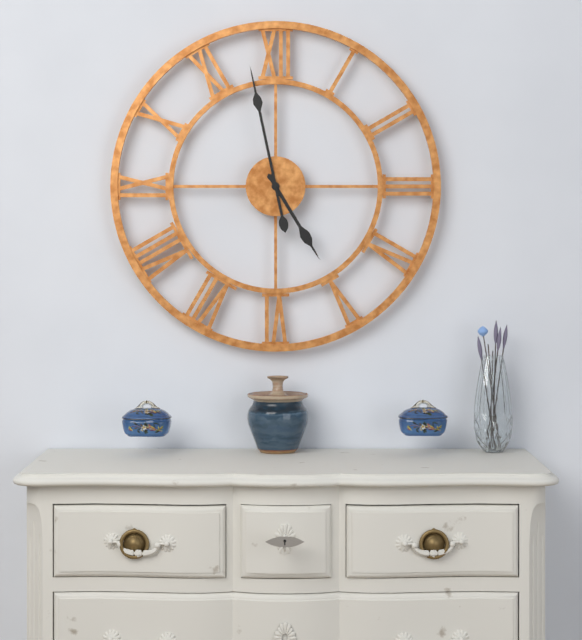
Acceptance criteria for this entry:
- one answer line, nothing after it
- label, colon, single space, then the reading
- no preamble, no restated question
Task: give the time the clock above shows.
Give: 4:58
